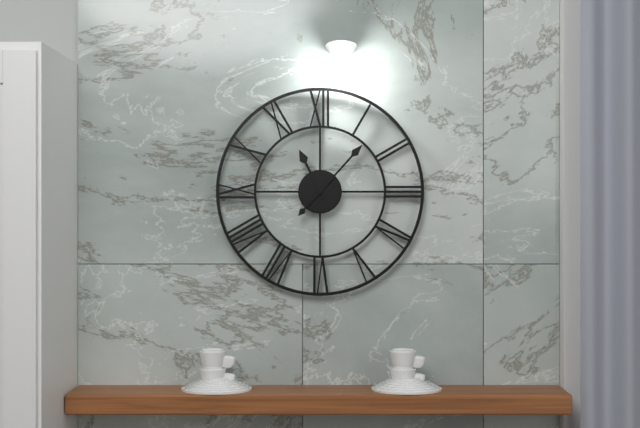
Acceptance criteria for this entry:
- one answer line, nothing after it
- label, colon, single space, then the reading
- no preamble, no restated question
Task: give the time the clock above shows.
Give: 11:07
